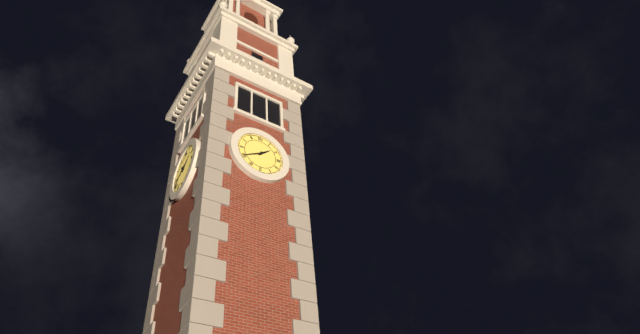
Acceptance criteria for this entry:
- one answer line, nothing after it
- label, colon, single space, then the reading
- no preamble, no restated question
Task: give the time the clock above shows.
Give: 1:40
